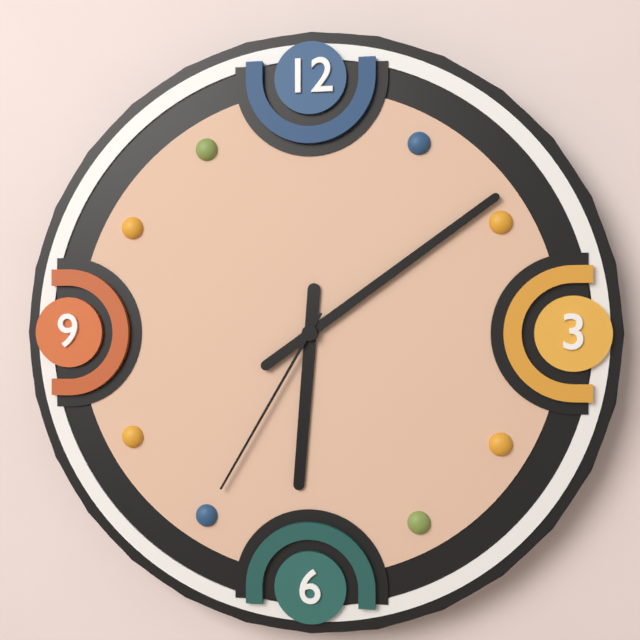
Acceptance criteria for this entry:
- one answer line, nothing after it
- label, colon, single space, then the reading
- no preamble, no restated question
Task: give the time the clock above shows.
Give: 6:09:35
